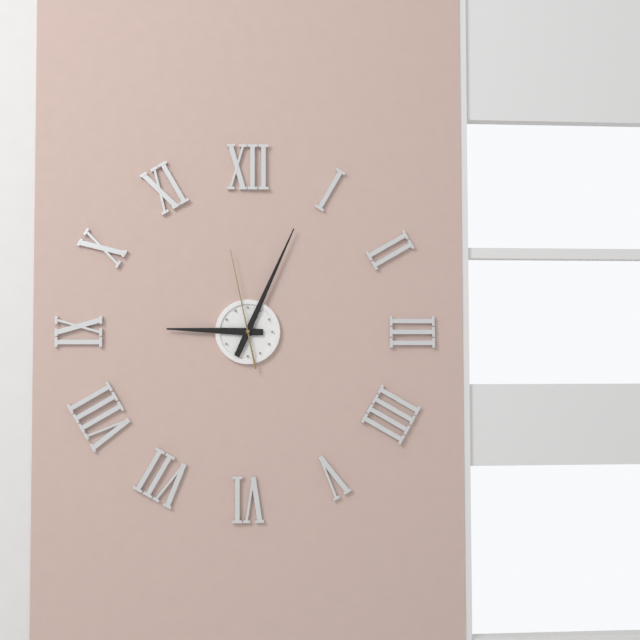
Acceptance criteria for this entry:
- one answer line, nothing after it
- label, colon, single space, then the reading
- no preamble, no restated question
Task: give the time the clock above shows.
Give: 9:04:58
